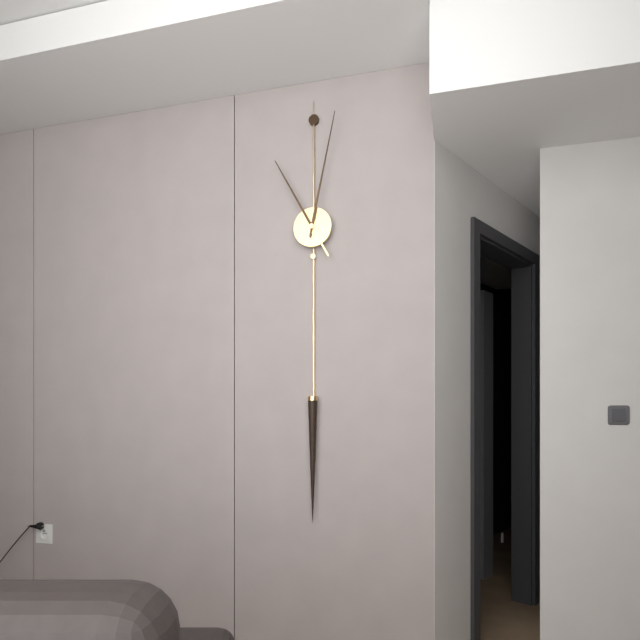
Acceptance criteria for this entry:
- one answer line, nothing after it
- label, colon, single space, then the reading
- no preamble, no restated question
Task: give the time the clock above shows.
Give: 11:02
